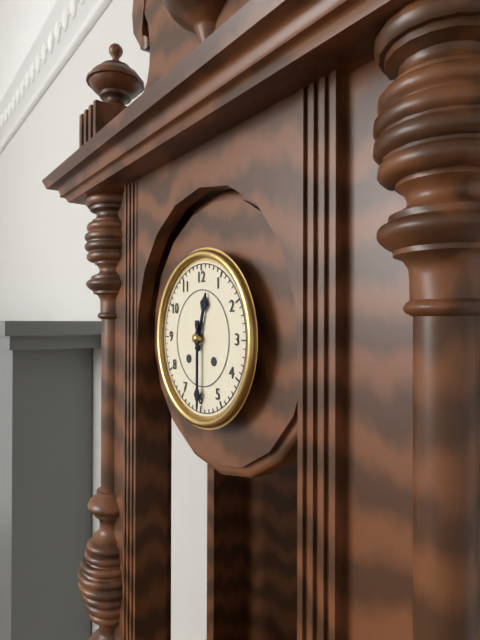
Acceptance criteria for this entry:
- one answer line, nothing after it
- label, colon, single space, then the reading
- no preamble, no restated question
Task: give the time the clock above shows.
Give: 12:30
